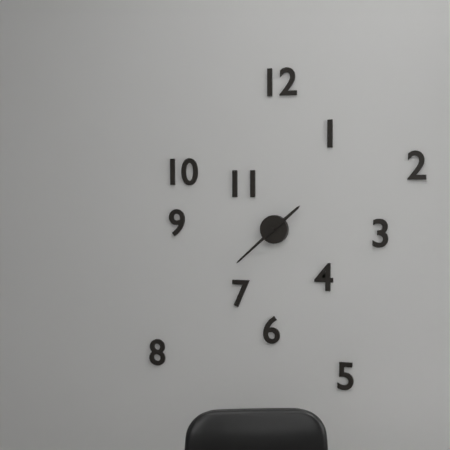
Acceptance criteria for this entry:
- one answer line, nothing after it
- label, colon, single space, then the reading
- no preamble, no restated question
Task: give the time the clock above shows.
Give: 1:38
